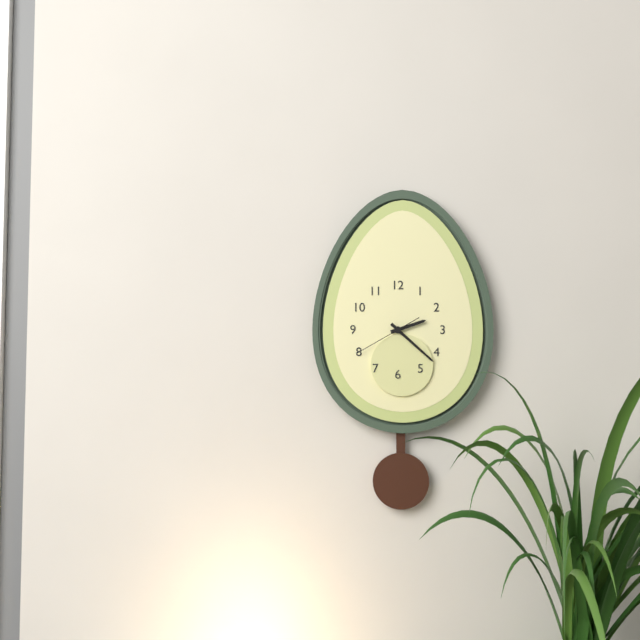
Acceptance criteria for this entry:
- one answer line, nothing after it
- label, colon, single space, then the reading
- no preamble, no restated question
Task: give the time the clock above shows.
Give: 2:22:40
